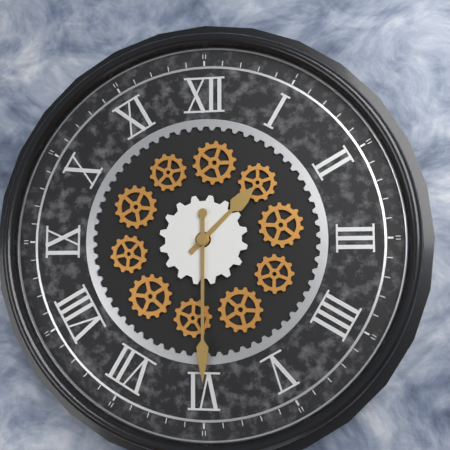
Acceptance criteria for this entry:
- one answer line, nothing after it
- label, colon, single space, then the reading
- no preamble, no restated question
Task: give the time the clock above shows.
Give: 1:30
